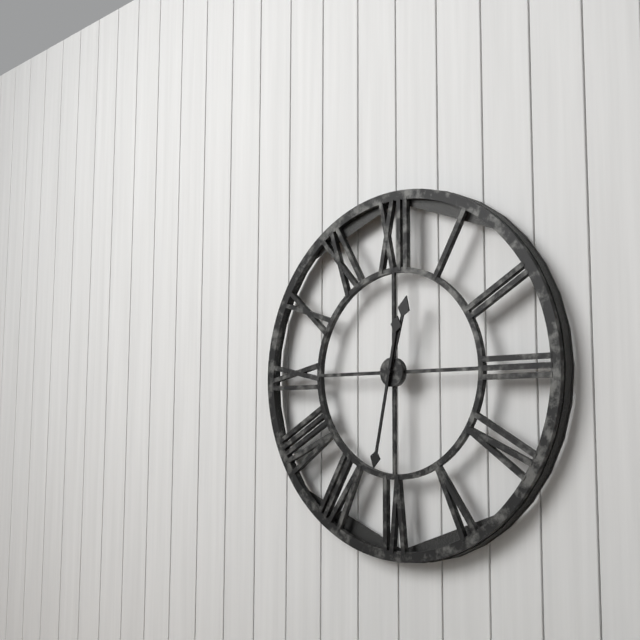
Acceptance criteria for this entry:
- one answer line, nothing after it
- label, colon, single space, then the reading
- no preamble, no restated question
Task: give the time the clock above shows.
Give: 12:32
